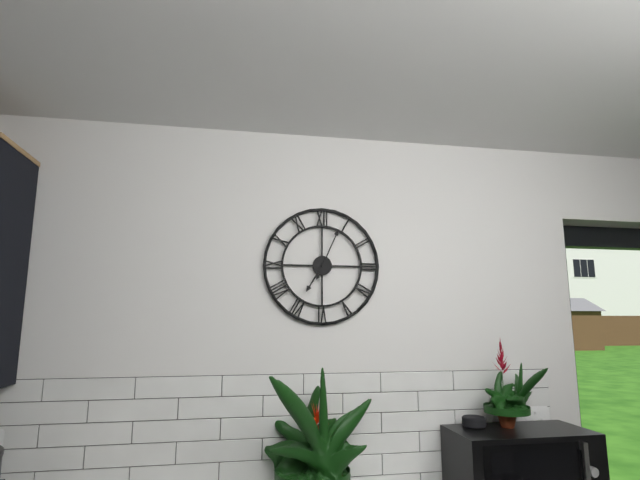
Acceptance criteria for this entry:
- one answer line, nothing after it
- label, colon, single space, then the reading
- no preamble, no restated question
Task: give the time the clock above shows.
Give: 7:04
